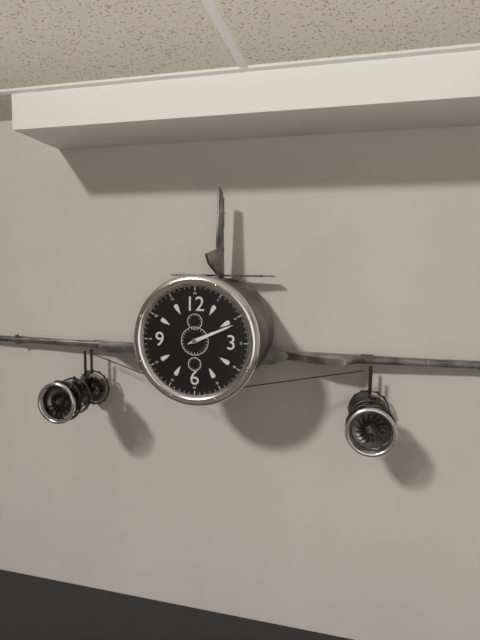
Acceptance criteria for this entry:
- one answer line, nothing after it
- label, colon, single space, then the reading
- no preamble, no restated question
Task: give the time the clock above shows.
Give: 2:11
